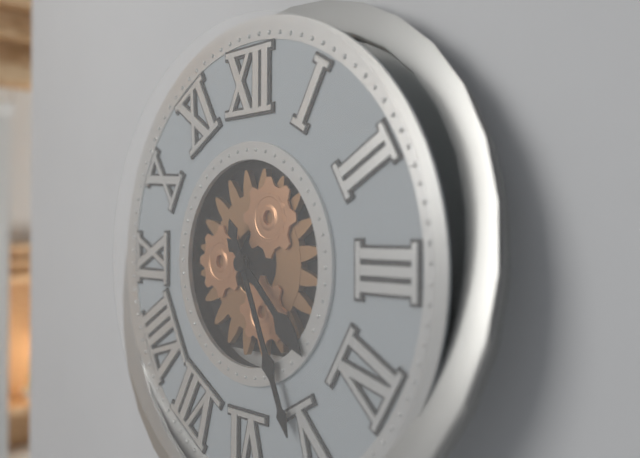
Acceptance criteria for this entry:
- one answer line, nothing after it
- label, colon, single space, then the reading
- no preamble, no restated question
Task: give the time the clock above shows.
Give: 4:26
